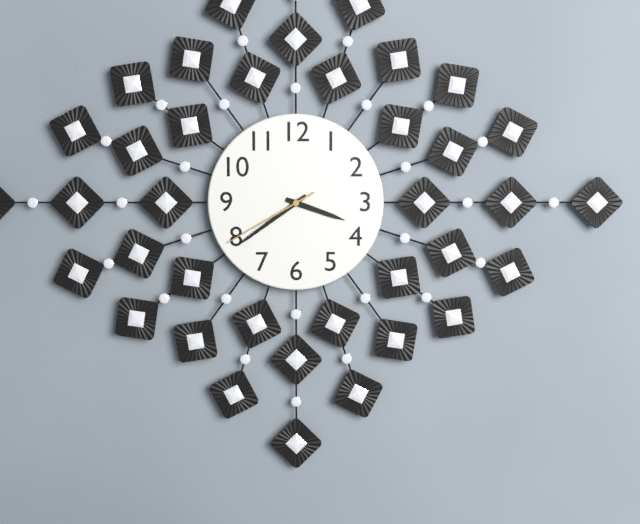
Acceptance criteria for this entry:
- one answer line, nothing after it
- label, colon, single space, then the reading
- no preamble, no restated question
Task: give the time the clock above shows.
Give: 3:39:40
